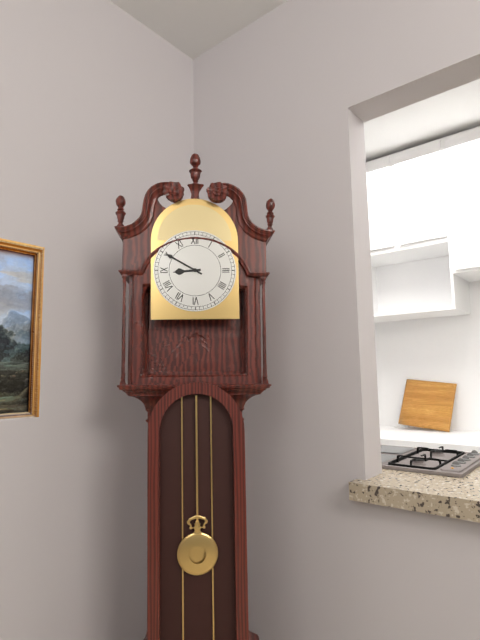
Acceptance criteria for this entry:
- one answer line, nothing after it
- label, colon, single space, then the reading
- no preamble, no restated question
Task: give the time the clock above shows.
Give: 8:50
